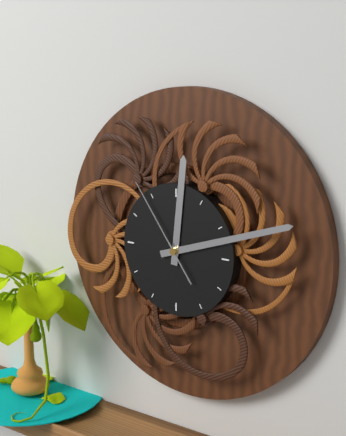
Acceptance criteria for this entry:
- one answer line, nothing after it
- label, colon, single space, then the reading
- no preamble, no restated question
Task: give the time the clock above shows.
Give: 12:12:54
